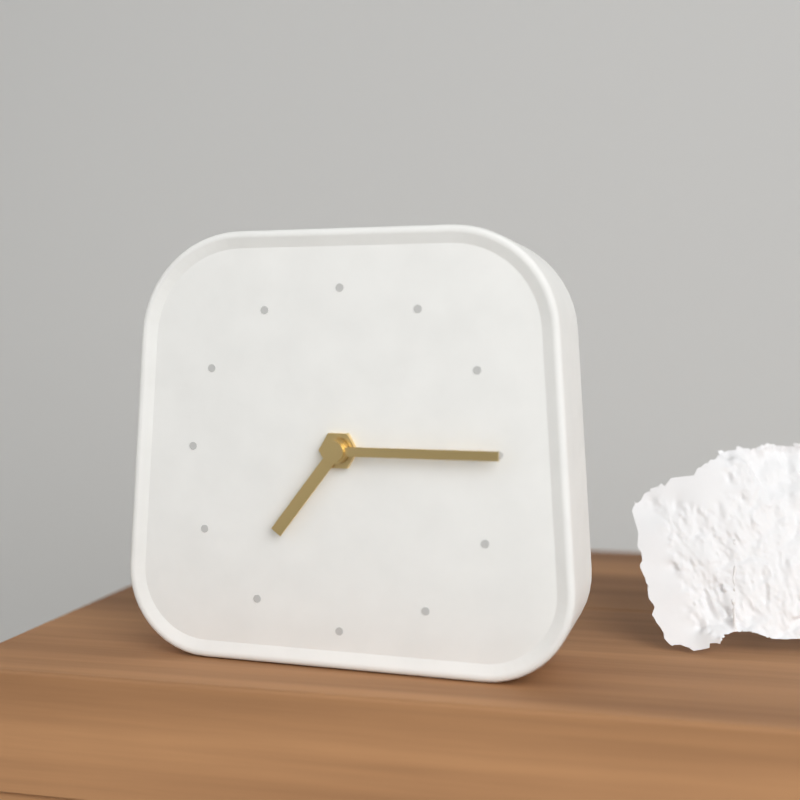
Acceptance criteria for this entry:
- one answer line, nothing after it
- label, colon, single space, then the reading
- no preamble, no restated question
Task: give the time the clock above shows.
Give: 7:15
